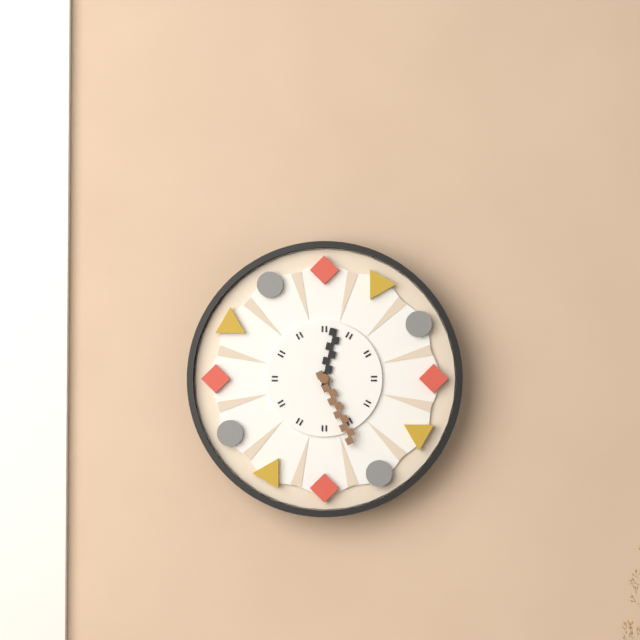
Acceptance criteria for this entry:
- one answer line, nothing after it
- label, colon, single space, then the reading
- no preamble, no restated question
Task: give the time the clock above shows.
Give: 12:26
